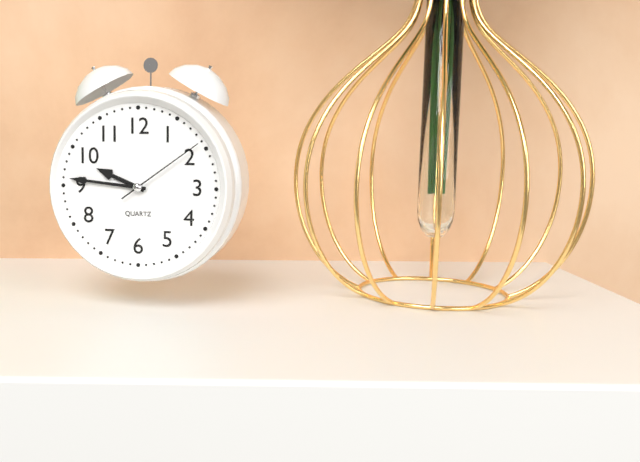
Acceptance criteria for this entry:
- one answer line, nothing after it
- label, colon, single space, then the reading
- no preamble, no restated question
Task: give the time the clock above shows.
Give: 9:46:09
